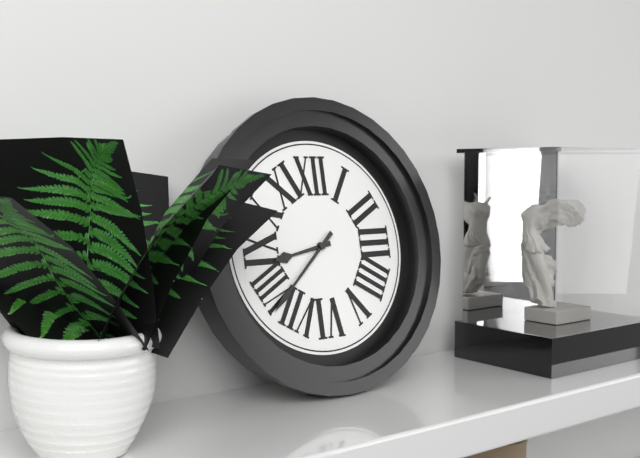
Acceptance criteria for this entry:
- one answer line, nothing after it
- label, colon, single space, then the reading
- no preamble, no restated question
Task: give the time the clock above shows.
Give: 8:38
